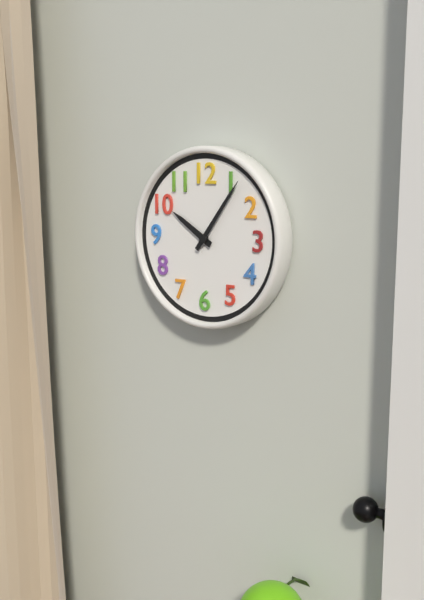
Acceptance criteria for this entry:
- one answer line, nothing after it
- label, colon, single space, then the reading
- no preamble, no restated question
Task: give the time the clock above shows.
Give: 10:06
